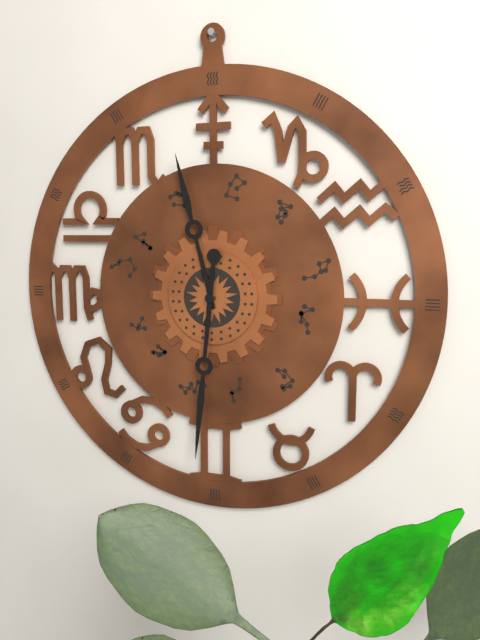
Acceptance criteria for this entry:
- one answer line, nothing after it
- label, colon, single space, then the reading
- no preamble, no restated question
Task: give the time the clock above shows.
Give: 11:31
